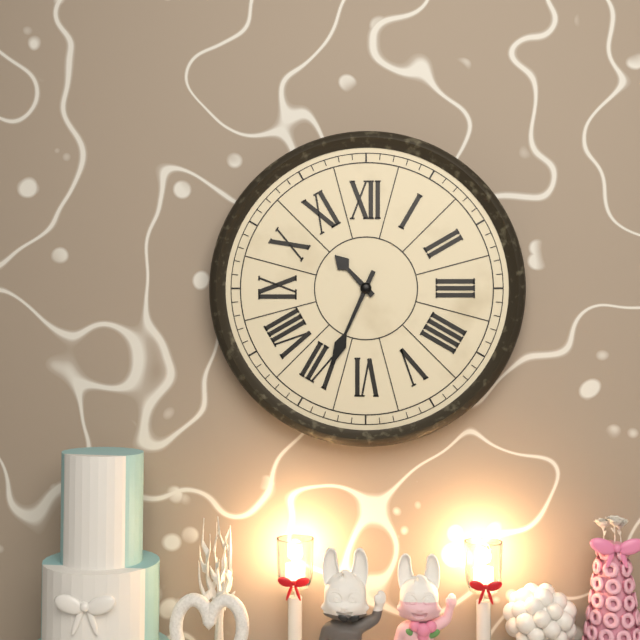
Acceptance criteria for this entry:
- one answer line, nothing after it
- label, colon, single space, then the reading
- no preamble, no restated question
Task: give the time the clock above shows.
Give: 10:34
